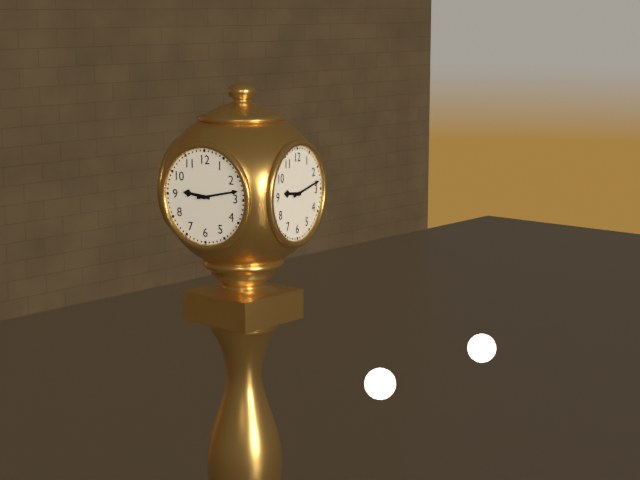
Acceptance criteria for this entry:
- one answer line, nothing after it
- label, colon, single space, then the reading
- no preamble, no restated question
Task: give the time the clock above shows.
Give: 9:13
